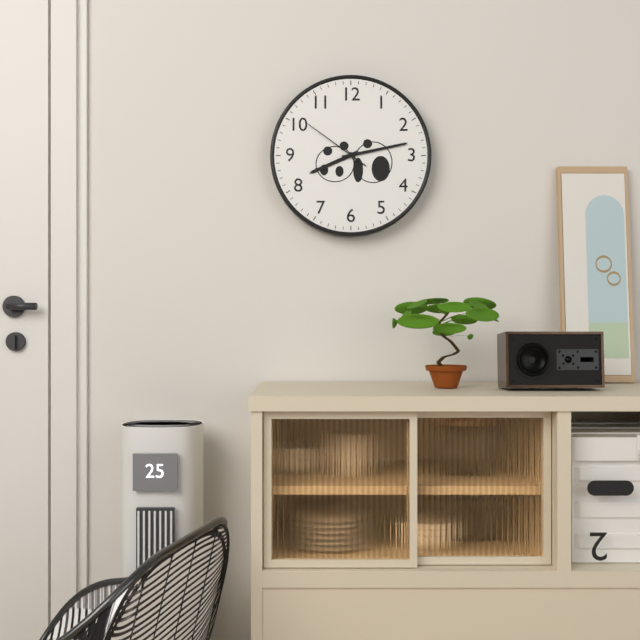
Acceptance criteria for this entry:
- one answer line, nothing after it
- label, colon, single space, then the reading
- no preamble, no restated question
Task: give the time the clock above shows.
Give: 8:13:51
